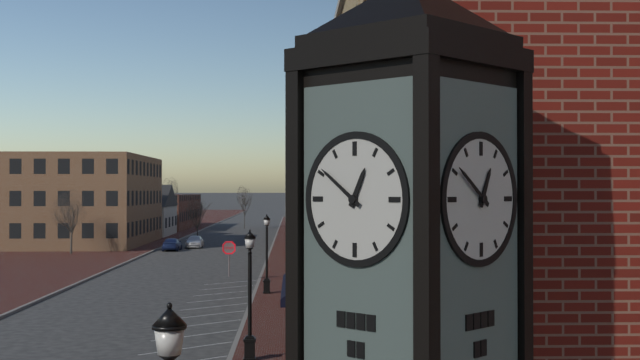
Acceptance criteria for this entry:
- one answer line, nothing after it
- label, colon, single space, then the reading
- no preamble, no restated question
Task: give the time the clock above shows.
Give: 12:51
